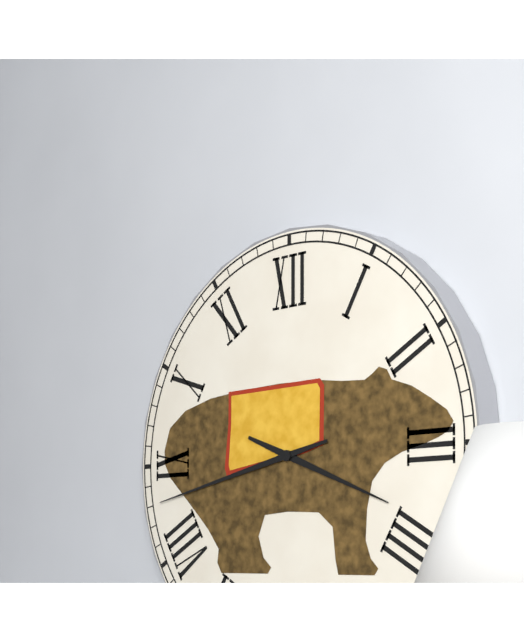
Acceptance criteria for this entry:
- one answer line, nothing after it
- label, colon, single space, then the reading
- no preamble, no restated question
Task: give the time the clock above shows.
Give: 3:43
